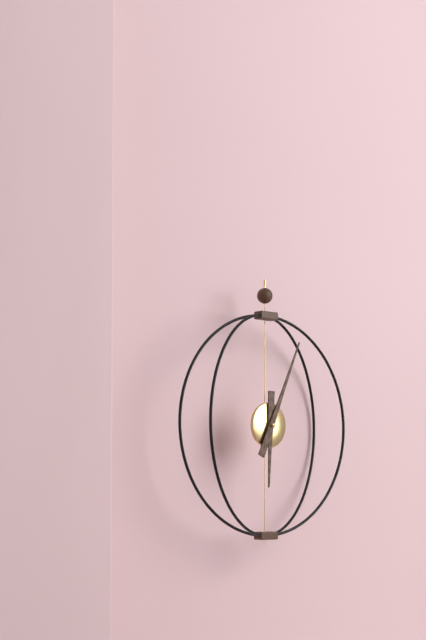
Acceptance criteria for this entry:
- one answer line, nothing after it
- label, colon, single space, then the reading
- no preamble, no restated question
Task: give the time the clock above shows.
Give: 6:04
